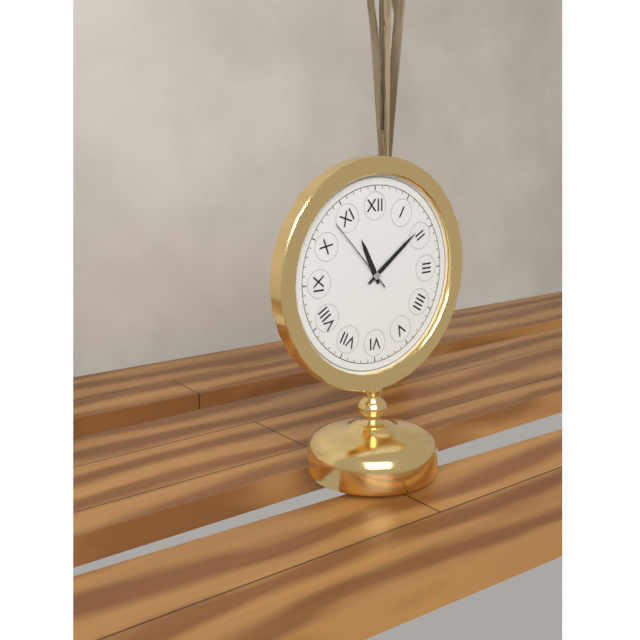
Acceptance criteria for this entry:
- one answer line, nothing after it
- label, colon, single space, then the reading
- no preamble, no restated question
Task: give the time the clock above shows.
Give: 11:09:53
